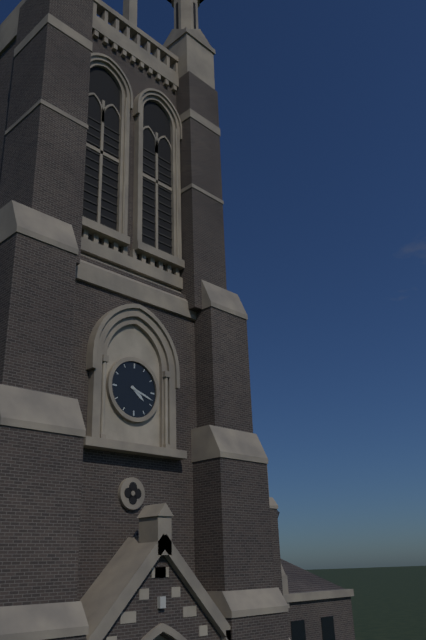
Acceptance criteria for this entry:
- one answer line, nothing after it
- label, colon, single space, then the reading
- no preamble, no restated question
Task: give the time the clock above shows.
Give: 4:18
